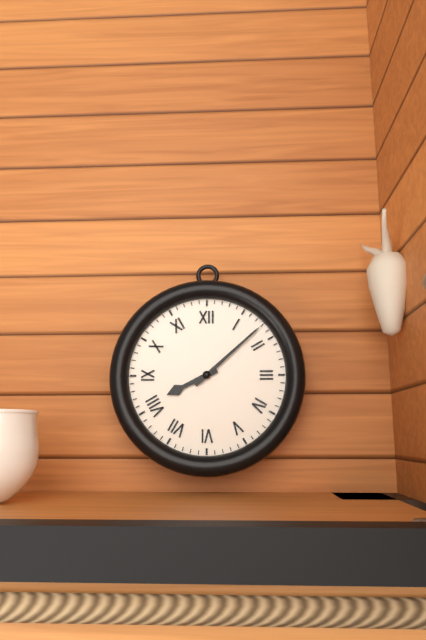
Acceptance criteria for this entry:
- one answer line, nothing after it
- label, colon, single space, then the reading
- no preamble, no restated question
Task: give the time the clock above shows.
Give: 8:08
